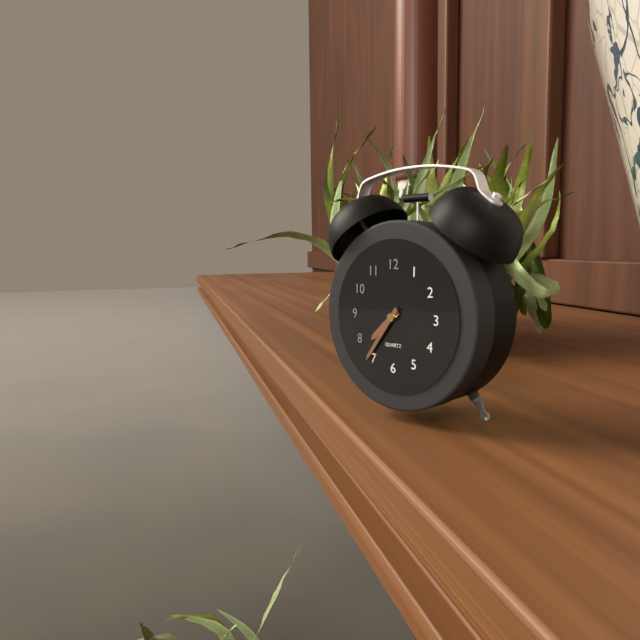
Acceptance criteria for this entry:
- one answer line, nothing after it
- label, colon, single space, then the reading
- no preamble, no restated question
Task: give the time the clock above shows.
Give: 7:36
